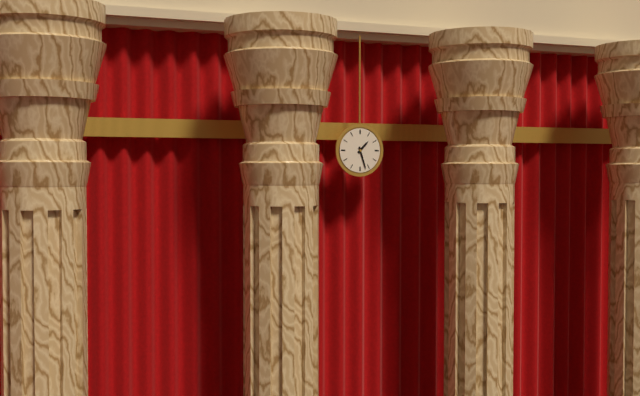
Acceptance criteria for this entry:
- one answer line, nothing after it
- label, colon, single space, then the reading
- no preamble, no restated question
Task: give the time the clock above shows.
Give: 1:27
